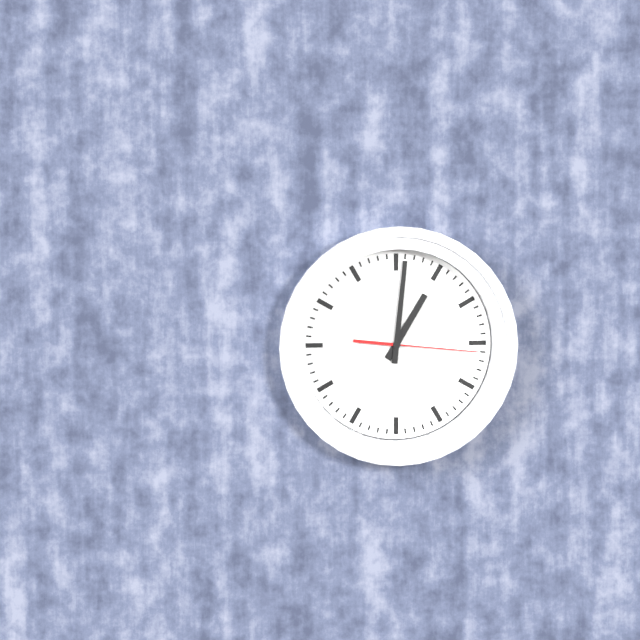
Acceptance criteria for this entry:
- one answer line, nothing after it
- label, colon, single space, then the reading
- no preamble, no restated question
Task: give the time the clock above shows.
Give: 1:01:16
